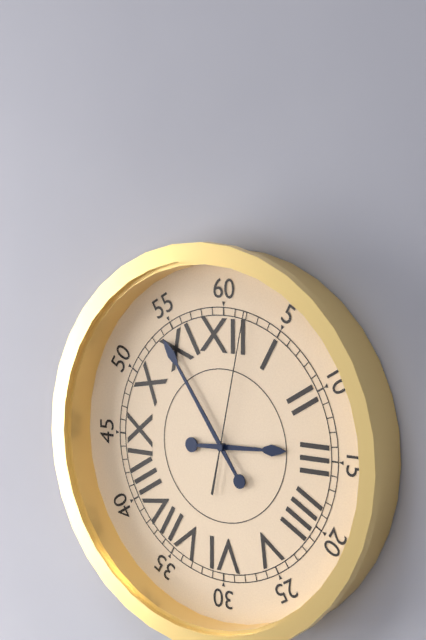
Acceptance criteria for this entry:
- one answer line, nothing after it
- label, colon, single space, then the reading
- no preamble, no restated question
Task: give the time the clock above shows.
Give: 2:54:02
